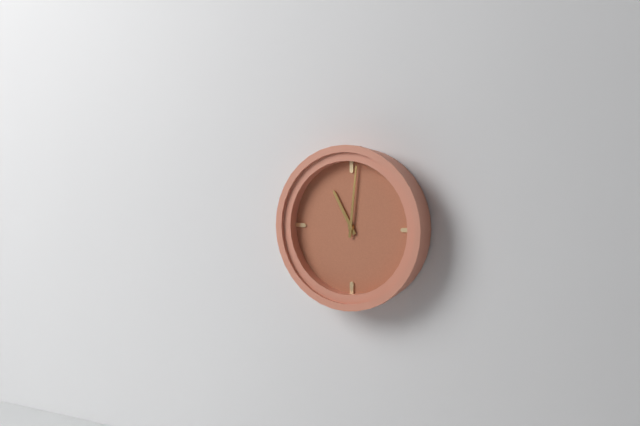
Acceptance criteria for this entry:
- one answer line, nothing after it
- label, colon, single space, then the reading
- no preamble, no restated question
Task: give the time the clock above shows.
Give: 11:01
